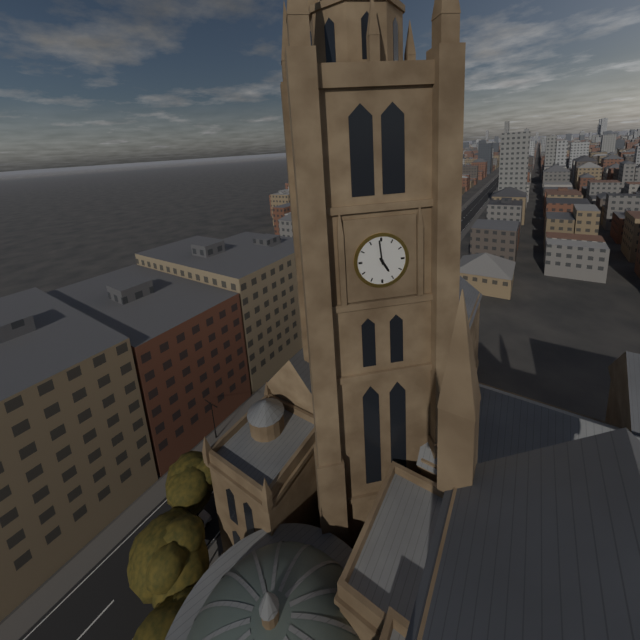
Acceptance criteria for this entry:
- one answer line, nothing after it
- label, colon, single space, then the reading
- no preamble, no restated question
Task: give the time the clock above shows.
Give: 4:59
